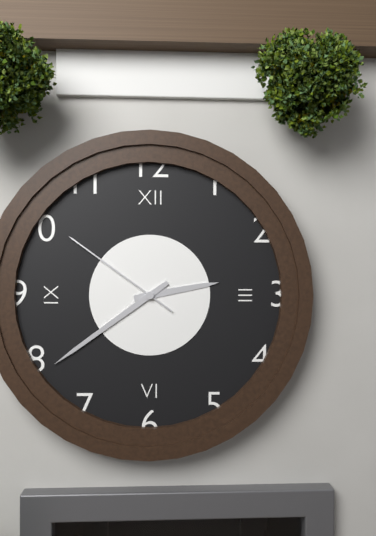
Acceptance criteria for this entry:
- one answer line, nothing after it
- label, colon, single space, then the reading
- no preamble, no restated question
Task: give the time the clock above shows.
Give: 2:39:51
